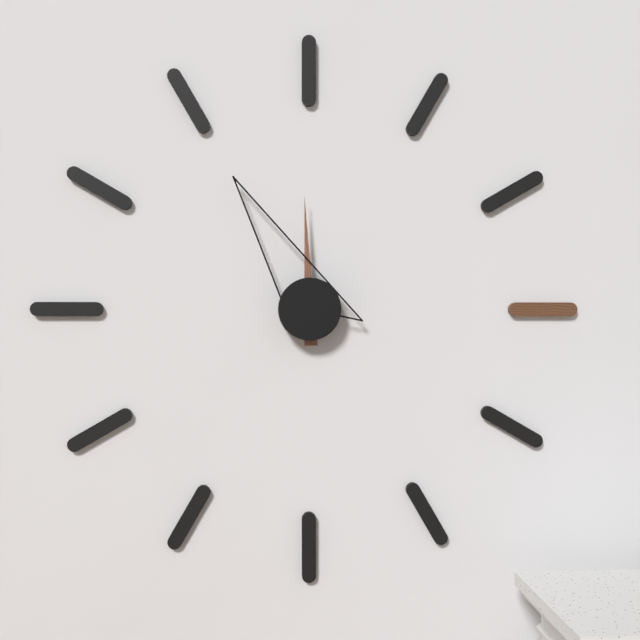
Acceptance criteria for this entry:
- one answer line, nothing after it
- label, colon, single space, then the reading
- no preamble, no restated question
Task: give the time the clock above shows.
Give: 11:55
